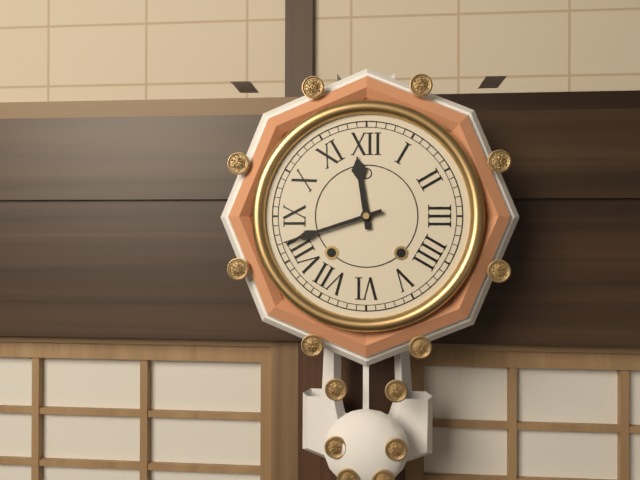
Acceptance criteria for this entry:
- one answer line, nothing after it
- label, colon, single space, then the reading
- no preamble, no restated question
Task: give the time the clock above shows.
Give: 11:42
